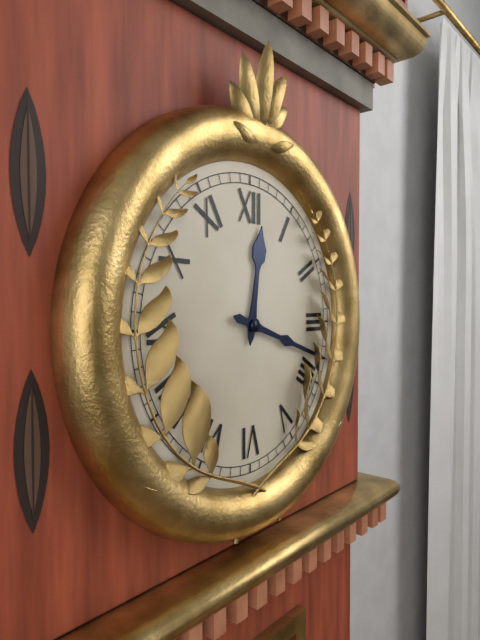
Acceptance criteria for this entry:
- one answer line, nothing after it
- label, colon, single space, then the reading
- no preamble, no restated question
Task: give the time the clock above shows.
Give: 12:18
